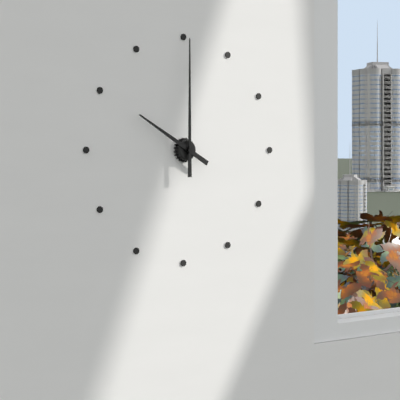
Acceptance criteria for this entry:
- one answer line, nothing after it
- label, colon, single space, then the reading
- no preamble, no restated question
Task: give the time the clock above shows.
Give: 10:00
